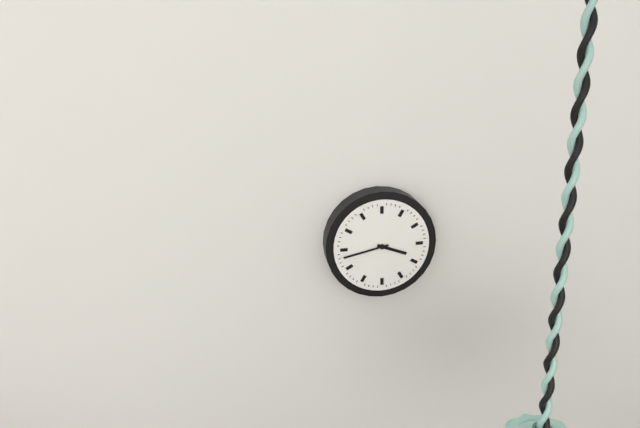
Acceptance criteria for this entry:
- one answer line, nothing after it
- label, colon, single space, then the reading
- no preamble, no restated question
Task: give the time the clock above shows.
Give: 3:43
